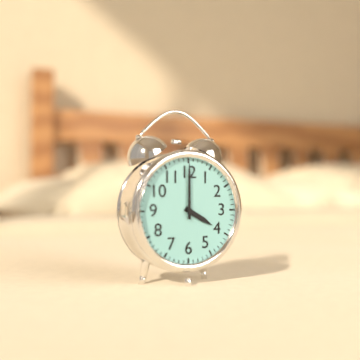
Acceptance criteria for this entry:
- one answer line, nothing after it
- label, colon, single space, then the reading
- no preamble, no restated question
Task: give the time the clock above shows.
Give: 4:00
